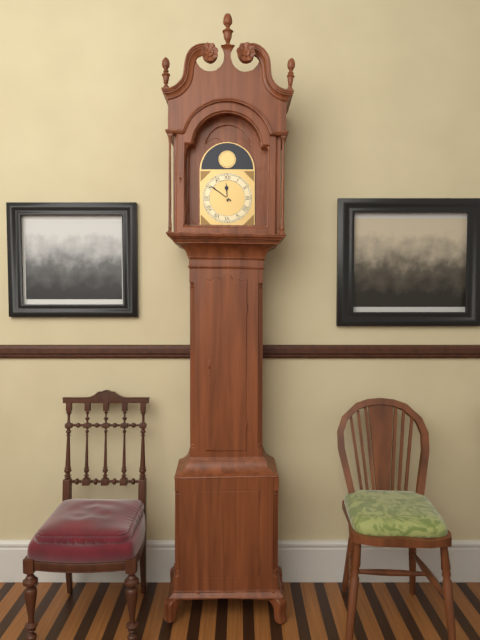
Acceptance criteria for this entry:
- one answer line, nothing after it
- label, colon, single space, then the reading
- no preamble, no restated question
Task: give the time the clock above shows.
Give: 11:51
